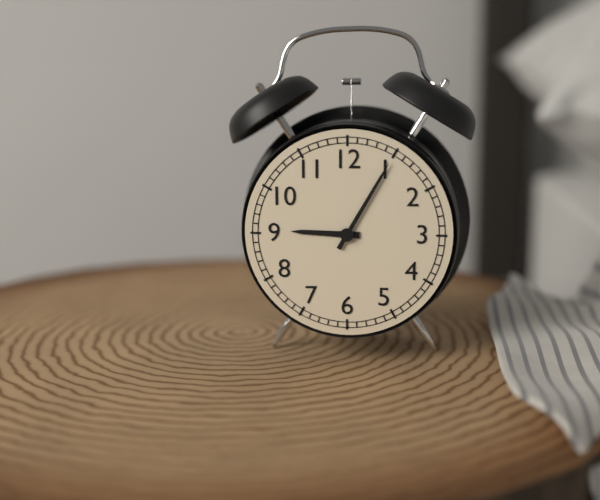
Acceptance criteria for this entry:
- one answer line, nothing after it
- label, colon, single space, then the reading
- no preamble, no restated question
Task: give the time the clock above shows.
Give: 9:05
